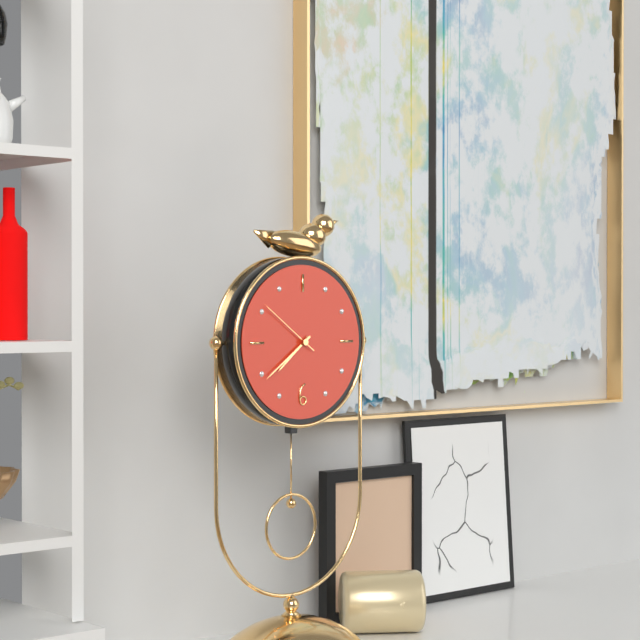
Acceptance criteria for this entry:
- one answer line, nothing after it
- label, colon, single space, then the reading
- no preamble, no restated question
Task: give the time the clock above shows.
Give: 7:39:51
